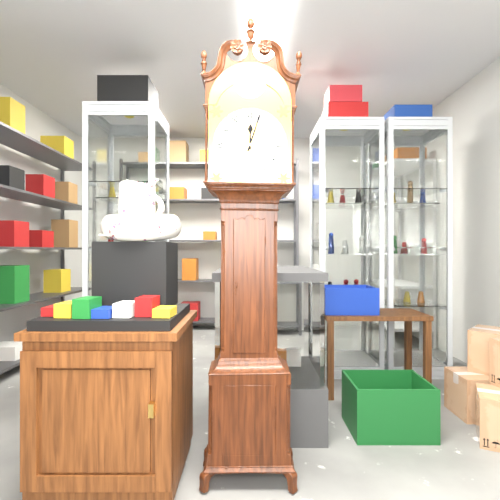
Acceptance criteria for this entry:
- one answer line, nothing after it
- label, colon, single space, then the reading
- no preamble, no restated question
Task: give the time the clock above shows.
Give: 12:03
